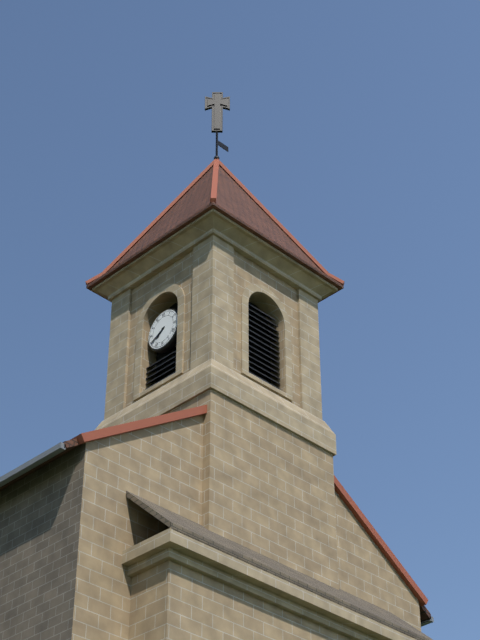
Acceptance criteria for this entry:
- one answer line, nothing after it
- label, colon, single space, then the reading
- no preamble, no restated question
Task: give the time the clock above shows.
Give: 7:40
